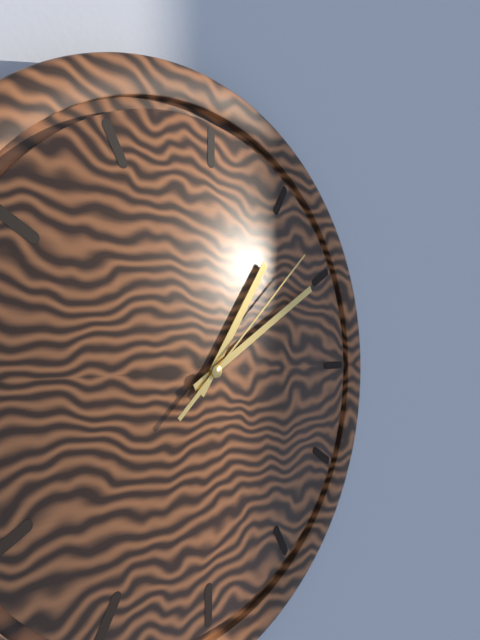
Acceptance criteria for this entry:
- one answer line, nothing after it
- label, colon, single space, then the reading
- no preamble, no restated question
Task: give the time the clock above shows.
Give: 1:10:08
